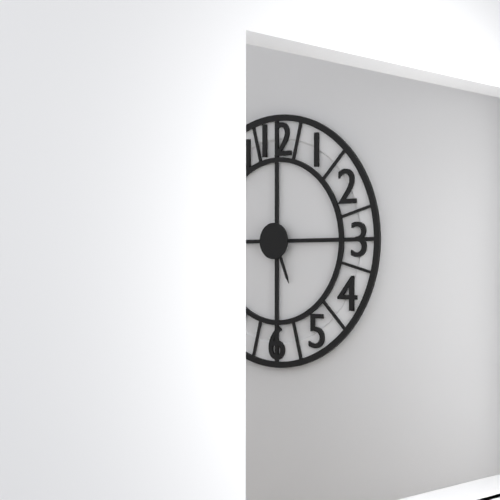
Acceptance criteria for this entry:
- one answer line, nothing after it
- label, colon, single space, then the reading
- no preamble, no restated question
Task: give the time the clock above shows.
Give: 5:15
